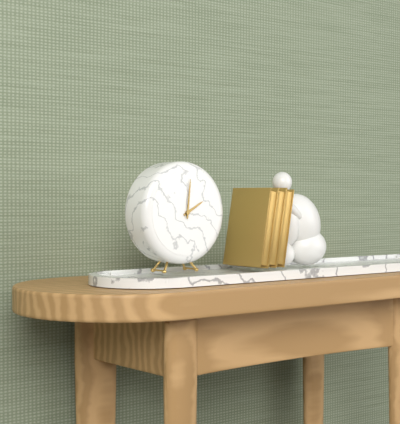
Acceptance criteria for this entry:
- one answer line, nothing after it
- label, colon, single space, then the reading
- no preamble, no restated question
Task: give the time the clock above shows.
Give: 2:01
